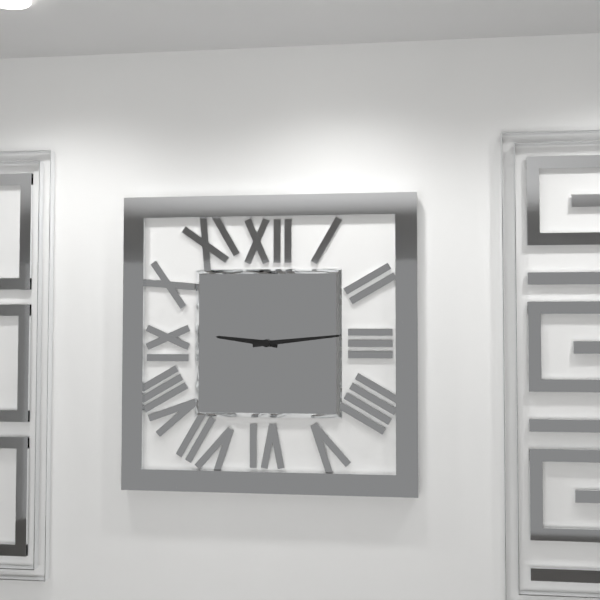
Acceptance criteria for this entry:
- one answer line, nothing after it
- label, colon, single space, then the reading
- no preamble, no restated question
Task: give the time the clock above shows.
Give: 9:14
